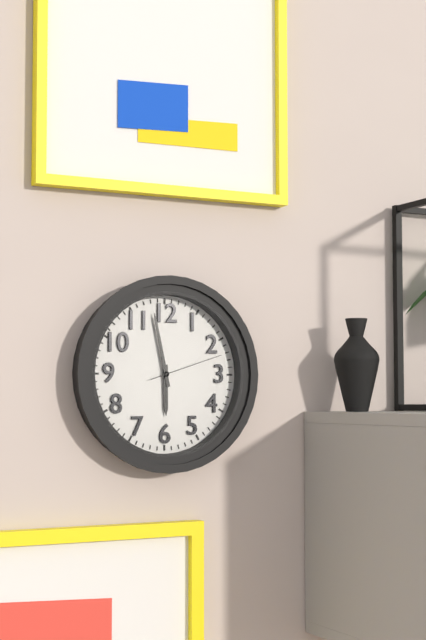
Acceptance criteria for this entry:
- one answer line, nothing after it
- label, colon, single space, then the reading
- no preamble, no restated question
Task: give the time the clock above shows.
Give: 5:58:12
